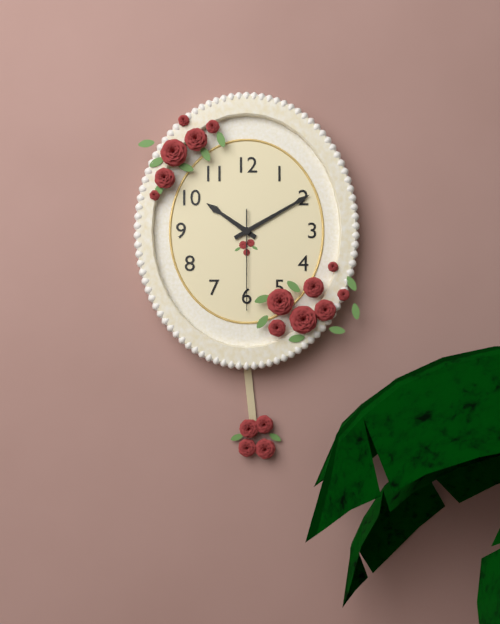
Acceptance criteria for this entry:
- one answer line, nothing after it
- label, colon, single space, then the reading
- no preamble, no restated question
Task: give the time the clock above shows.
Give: 10:10:30
